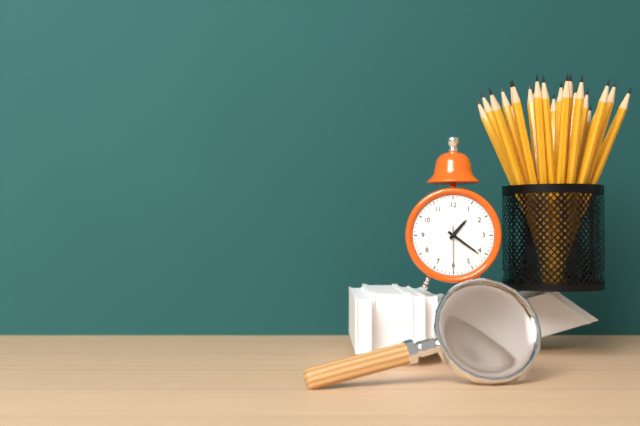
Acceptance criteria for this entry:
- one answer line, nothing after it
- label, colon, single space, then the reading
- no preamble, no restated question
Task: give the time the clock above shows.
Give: 1:21
